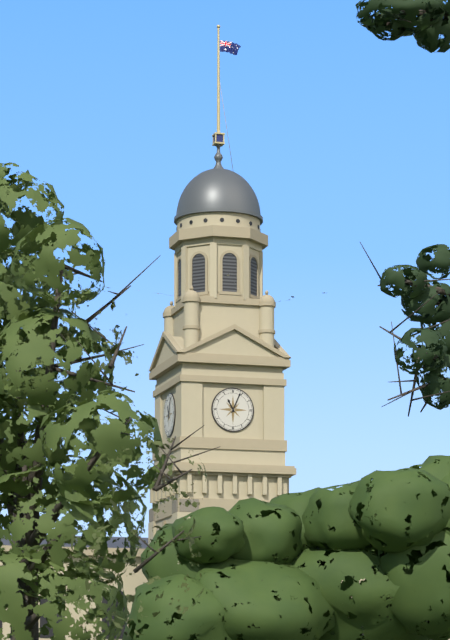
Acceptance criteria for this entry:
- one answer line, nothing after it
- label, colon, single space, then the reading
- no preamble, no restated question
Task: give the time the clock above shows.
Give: 11:04
